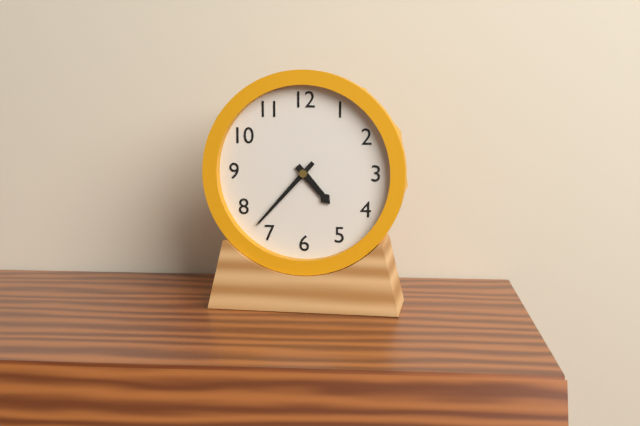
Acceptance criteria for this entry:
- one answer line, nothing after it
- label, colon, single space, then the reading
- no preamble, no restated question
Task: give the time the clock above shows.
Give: 4:37
